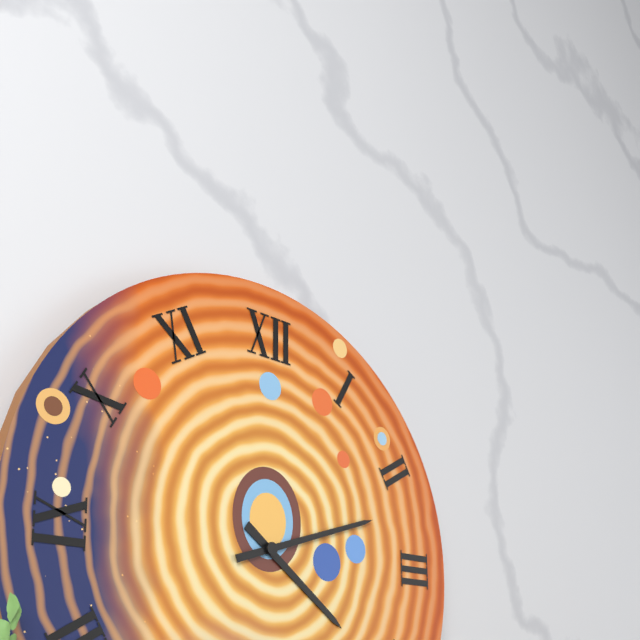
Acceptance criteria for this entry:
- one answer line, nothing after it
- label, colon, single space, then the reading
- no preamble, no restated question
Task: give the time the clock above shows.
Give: 4:12
